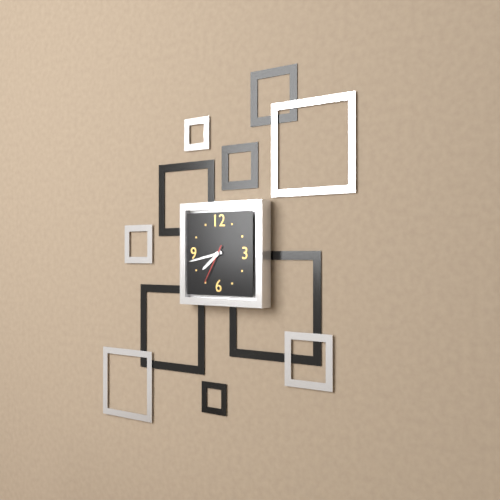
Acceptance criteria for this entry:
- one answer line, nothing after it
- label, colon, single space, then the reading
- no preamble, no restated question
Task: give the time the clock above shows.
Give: 7:43
